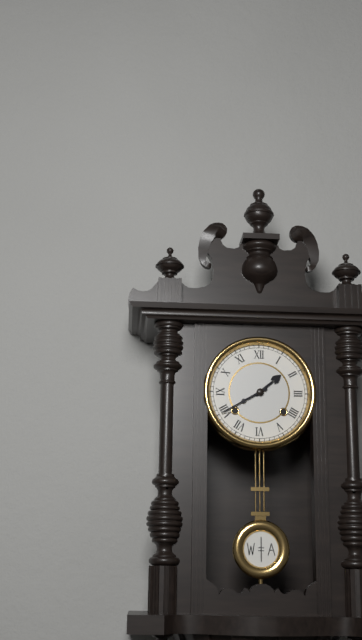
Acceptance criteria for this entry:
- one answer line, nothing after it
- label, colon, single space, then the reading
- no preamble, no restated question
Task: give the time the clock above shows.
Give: 1:40
